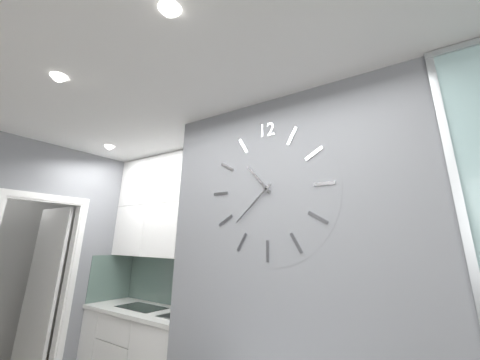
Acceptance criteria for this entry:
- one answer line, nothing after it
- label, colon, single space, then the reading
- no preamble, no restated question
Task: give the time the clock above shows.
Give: 10:38
